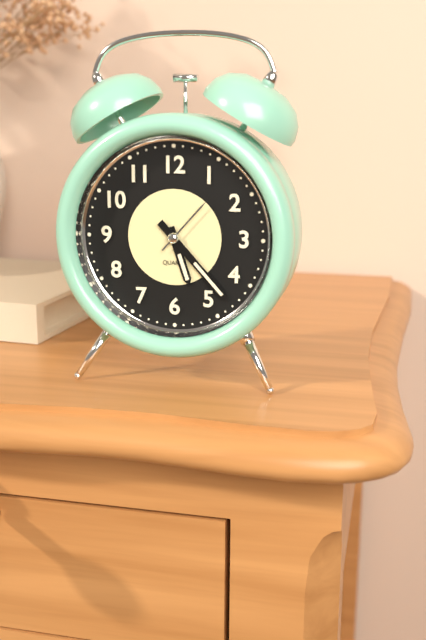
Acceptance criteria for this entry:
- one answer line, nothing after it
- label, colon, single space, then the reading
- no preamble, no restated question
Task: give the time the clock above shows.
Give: 5:23:07
